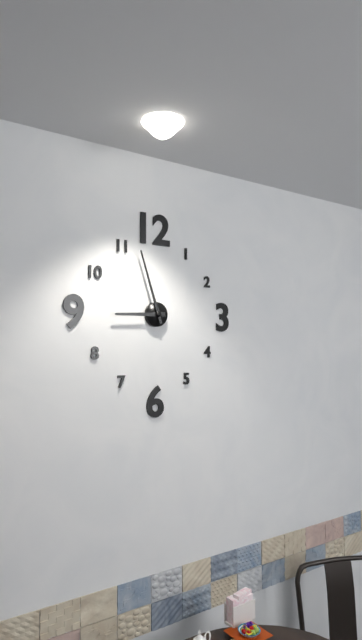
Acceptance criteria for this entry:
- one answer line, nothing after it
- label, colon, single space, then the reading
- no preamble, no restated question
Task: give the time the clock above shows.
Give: 8:57
